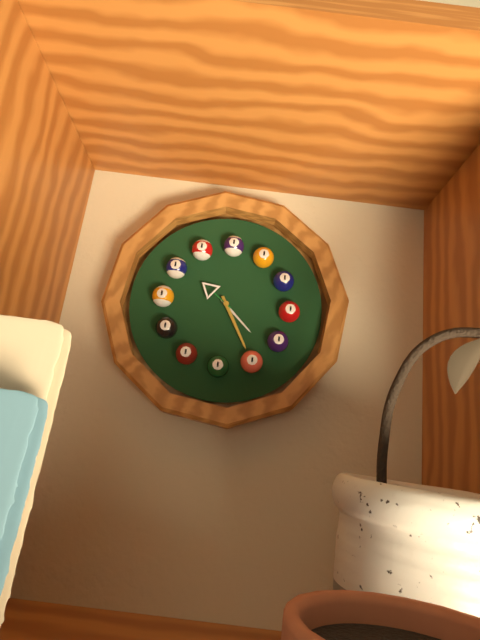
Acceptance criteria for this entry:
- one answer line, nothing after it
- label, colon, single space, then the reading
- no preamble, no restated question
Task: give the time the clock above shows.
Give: 4:25
